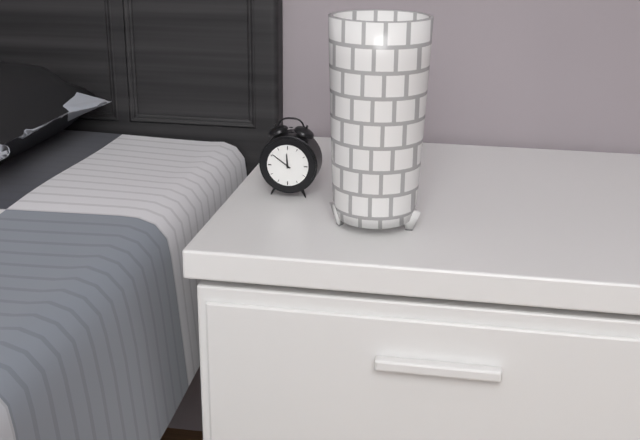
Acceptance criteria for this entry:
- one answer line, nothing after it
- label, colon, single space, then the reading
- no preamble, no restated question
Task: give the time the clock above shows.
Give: 11:51
